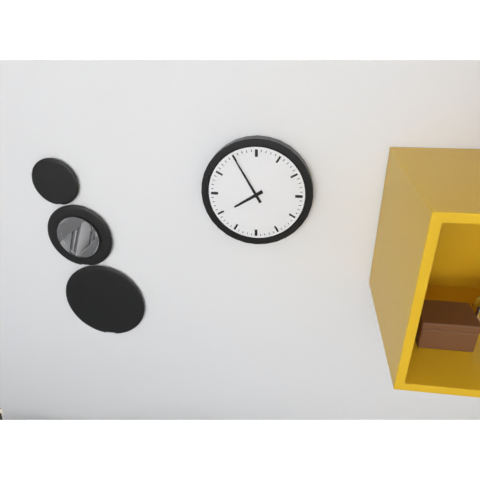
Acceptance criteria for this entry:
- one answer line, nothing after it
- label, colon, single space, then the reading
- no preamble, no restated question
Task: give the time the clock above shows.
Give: 7:55
